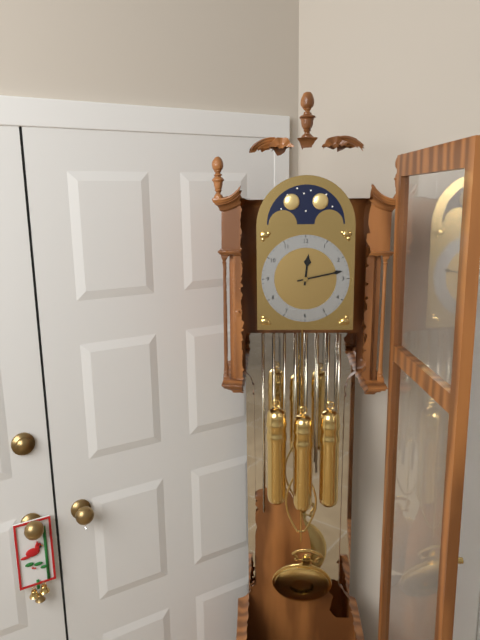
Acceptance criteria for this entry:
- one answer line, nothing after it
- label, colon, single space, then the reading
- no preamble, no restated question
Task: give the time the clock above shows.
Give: 12:13
